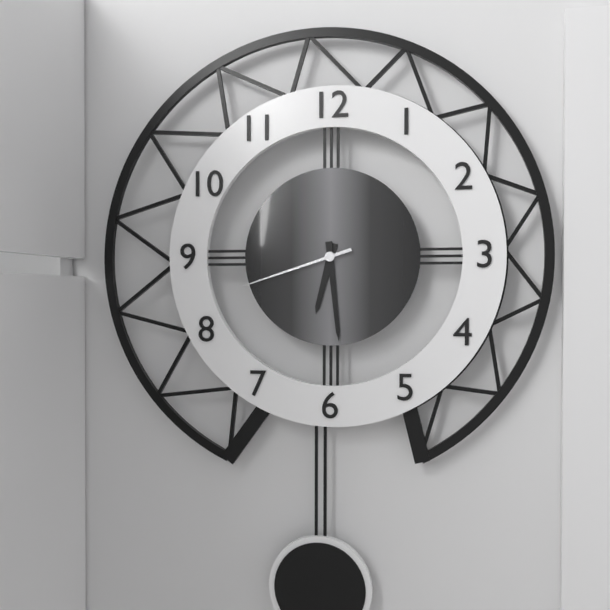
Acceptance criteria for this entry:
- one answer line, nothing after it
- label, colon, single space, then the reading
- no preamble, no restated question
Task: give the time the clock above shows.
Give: 6:29:42
